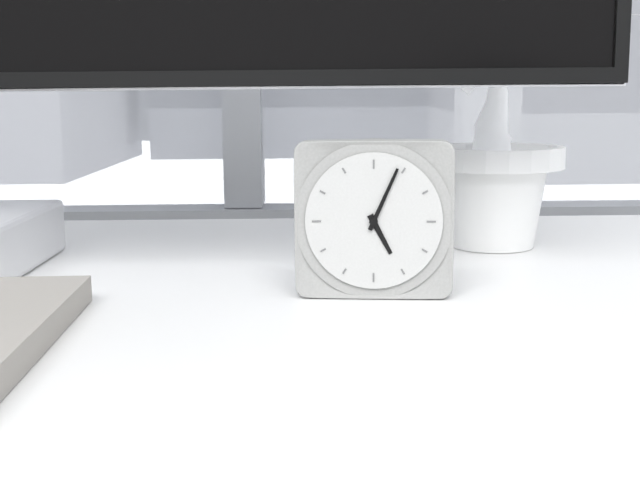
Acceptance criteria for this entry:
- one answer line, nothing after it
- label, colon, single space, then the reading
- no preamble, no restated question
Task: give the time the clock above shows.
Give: 5:04
